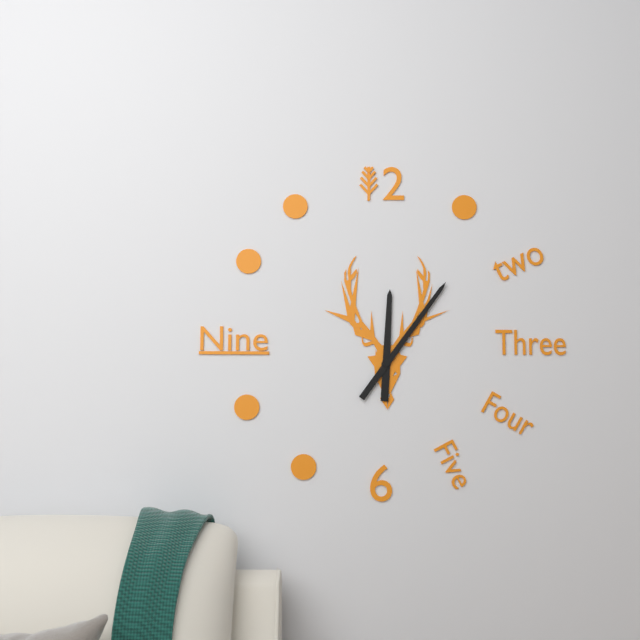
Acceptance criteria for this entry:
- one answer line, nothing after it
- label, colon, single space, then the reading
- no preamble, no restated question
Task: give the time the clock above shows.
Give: 12:06
